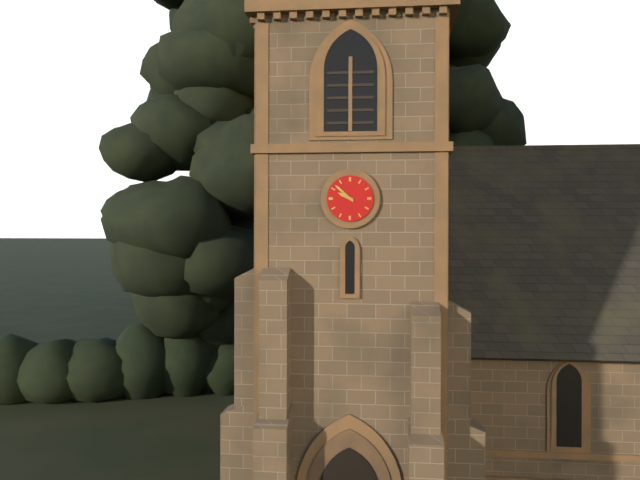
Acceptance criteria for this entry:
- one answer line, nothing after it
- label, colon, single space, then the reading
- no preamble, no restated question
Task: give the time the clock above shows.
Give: 9:52
